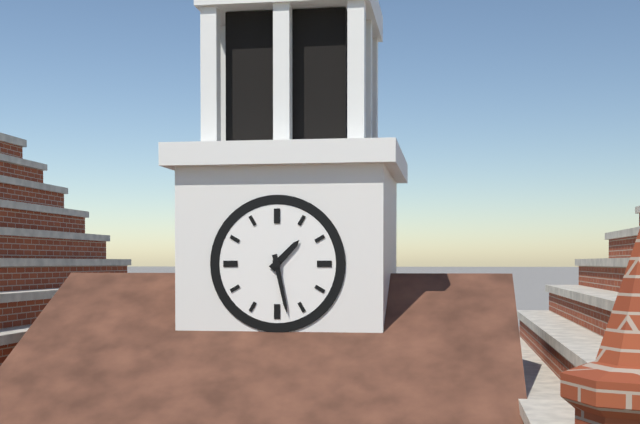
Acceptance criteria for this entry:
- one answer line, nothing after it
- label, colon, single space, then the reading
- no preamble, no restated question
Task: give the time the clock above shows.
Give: 1:28
